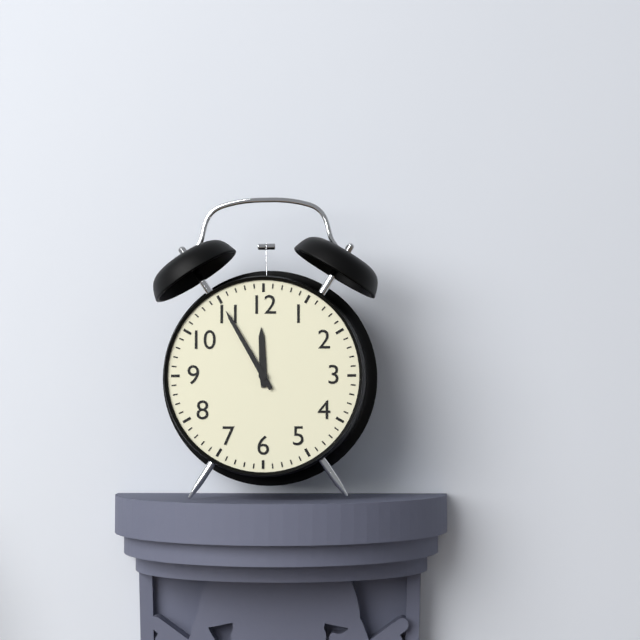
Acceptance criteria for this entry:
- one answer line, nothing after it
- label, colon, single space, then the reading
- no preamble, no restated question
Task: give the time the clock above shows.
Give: 11:55
